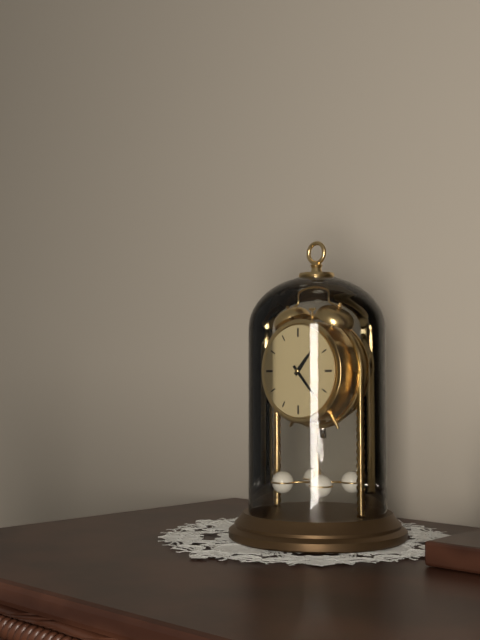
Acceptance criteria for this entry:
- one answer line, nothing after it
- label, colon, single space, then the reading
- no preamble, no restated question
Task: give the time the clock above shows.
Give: 1:23
